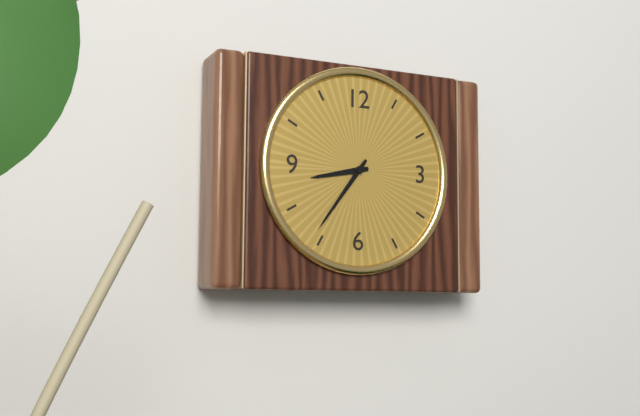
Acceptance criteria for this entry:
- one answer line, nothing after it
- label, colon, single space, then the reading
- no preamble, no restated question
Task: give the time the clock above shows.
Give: 8:36
